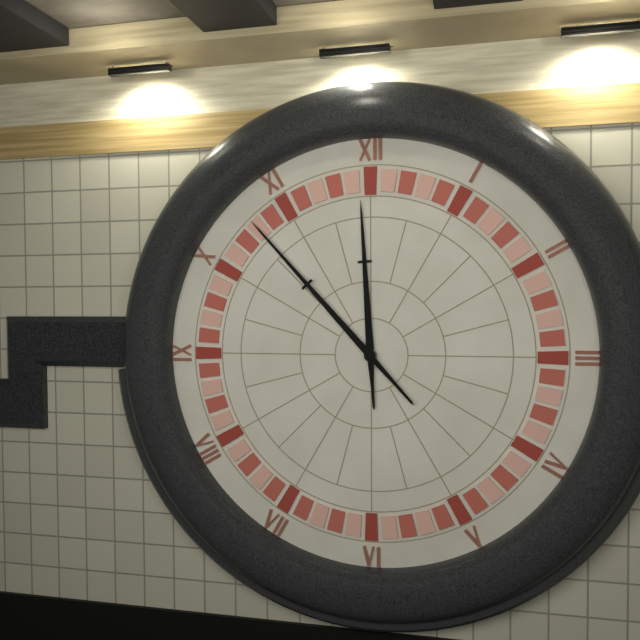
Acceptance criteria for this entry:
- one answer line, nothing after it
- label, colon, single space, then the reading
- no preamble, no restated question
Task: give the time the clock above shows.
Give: 11:53
